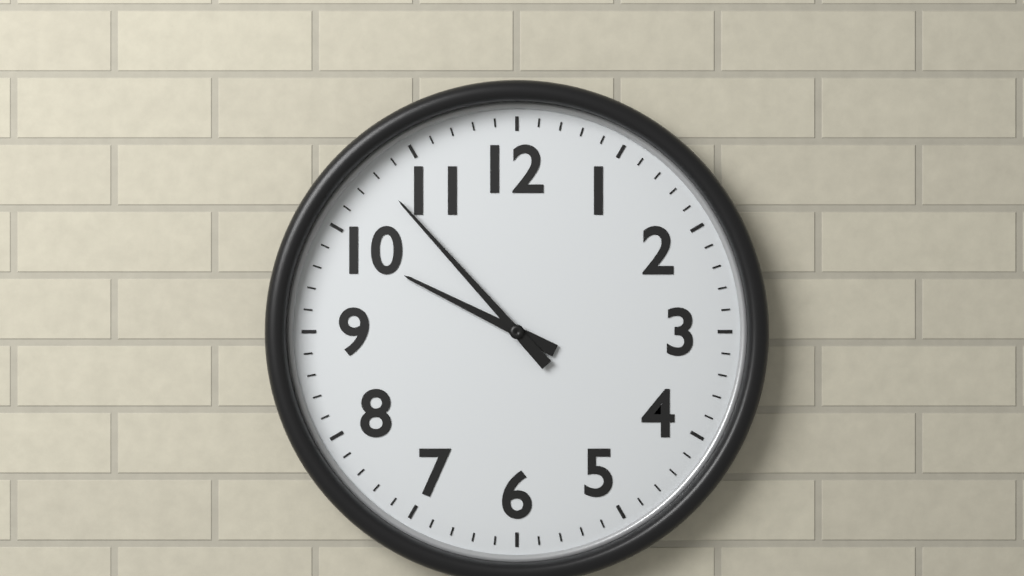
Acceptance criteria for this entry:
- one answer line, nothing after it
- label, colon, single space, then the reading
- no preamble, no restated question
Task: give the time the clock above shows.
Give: 9:53
